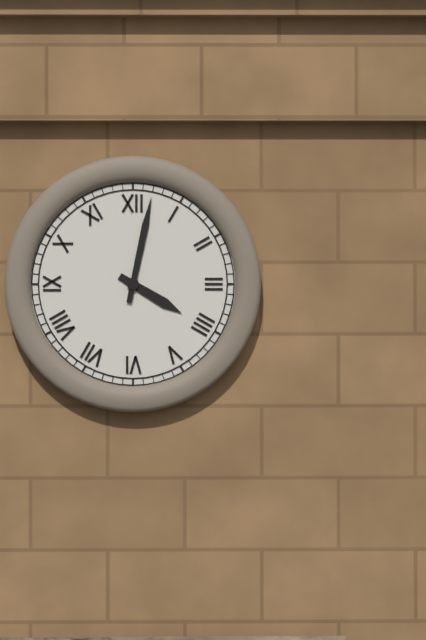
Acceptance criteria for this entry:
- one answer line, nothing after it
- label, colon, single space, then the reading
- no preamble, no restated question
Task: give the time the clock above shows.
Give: 4:02
